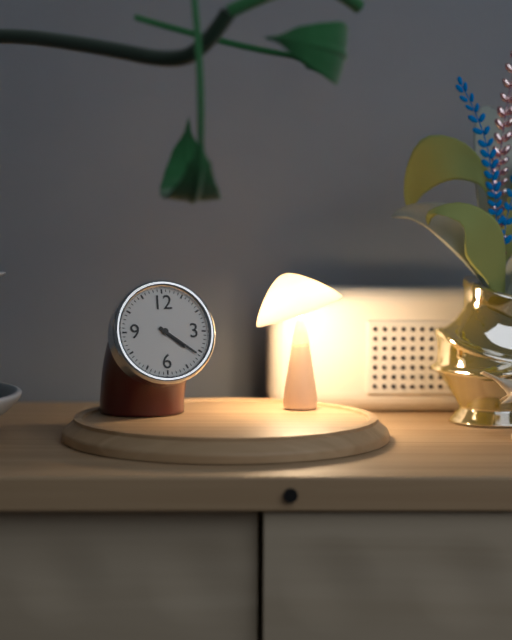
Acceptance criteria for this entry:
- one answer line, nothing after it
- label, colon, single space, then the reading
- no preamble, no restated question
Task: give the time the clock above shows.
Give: 4:21
